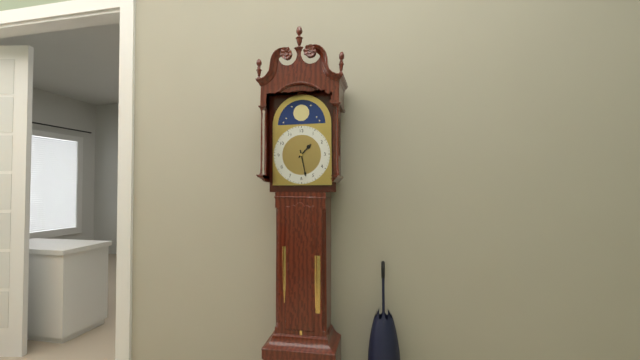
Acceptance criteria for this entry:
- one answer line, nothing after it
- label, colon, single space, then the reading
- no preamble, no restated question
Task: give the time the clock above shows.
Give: 1:28
